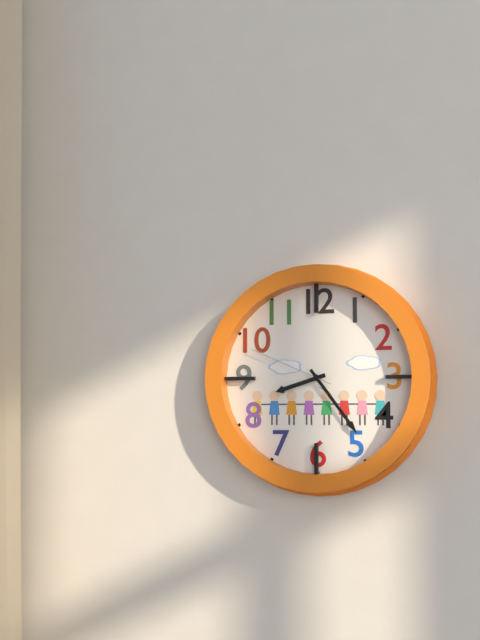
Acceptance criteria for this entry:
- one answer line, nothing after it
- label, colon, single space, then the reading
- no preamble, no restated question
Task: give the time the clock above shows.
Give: 8:24:49
